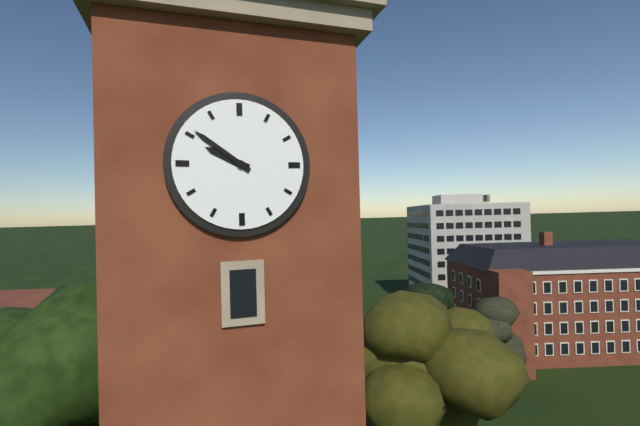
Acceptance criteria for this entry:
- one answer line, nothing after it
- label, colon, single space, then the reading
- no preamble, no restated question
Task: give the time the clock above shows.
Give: 9:51
